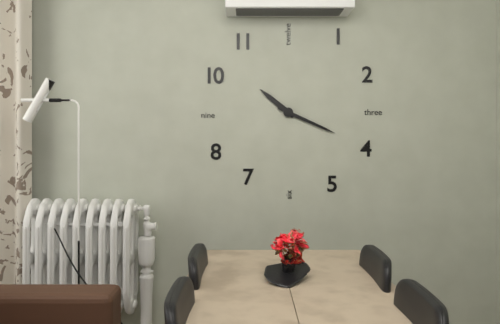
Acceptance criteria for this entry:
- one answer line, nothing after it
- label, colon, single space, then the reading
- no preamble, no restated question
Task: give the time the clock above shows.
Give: 10:19
